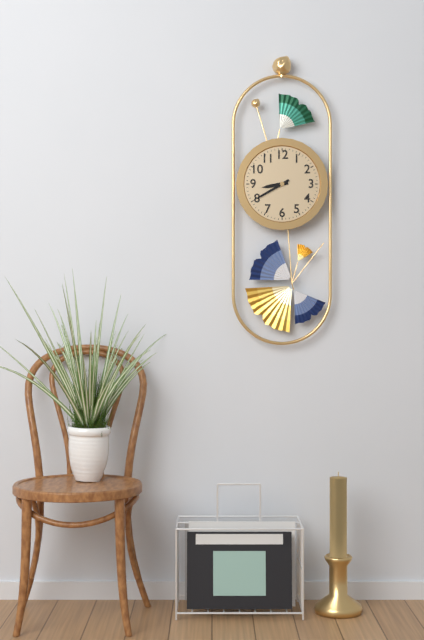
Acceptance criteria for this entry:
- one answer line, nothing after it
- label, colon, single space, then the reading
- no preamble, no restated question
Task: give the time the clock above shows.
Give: 8:40
